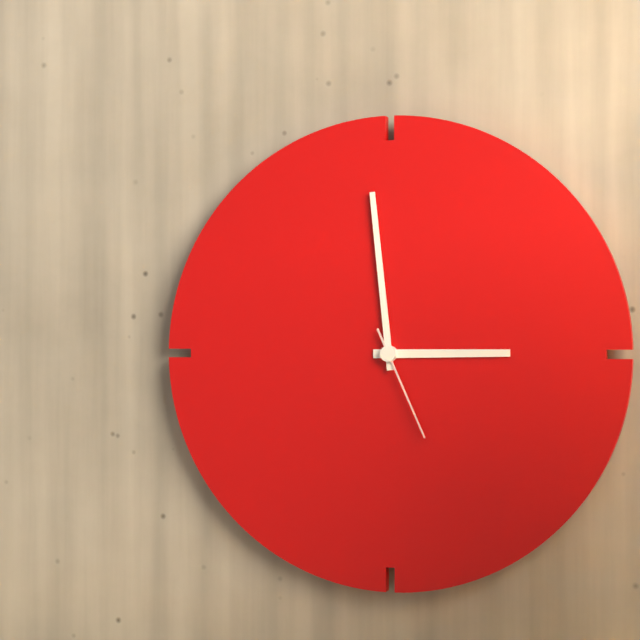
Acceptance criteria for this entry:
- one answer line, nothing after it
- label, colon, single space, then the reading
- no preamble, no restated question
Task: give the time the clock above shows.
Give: 2:59:26
